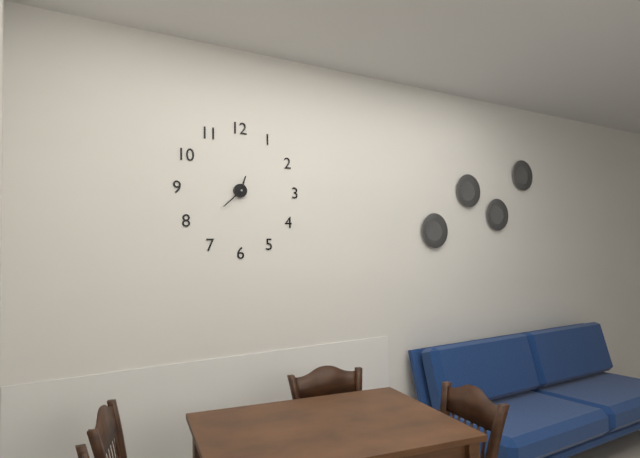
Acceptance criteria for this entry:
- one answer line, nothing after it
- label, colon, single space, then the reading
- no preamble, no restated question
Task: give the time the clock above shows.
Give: 12:38
